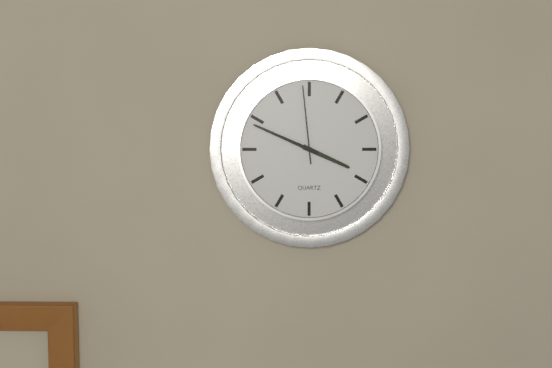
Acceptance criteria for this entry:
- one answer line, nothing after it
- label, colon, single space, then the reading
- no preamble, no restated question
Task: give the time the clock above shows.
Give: 3:49:59
